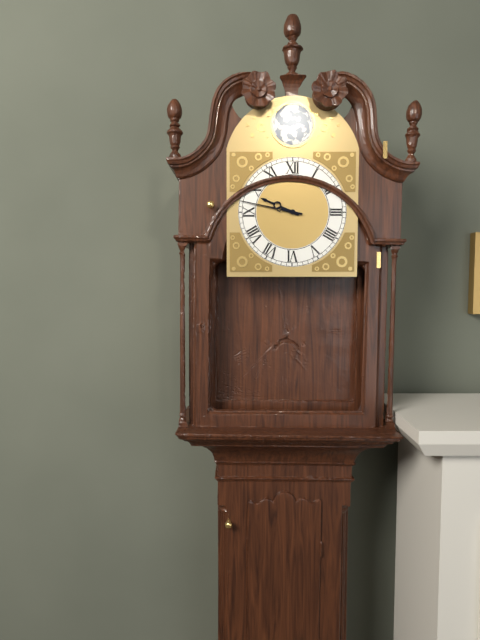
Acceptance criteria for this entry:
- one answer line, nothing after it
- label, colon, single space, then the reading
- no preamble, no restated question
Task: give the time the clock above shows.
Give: 9:47
